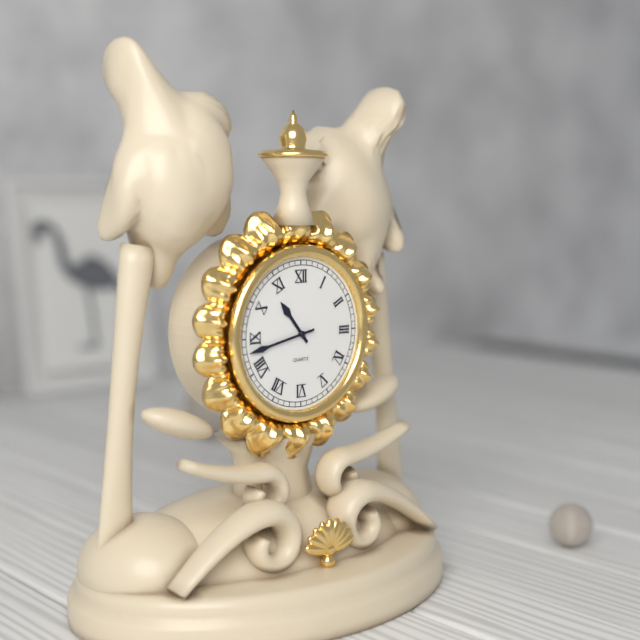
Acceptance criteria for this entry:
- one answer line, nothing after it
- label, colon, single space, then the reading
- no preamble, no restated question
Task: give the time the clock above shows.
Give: 10:43
